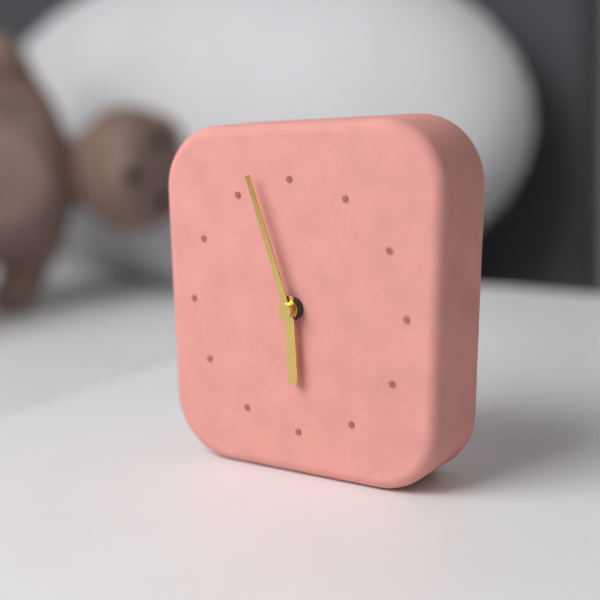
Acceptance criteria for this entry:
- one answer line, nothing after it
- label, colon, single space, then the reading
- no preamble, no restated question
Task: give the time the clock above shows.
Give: 5:57
